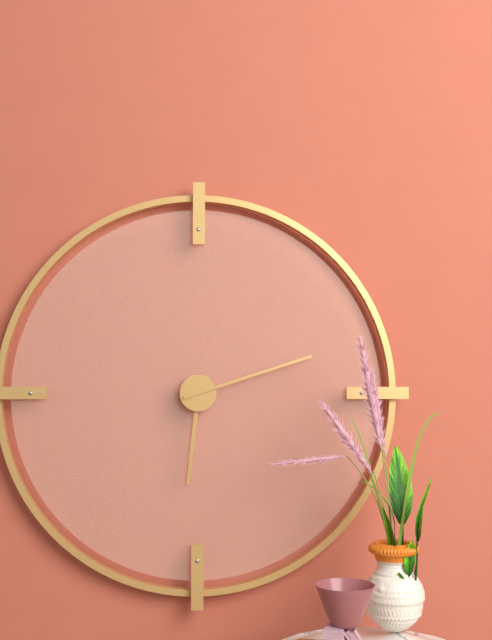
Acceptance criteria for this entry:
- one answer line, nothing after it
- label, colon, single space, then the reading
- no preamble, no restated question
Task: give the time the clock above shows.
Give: 6:12
